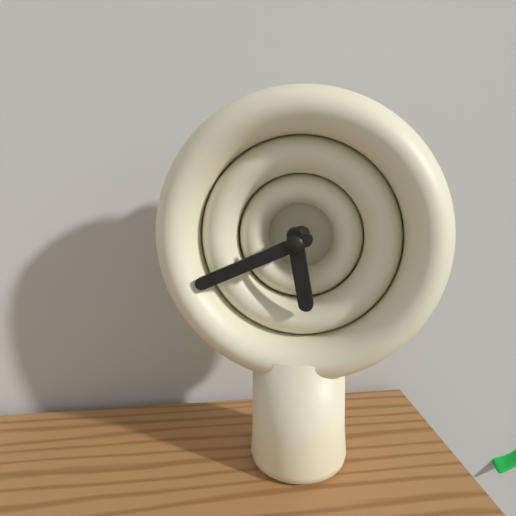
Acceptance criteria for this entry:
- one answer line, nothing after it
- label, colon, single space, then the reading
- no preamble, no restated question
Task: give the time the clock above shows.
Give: 5:41
